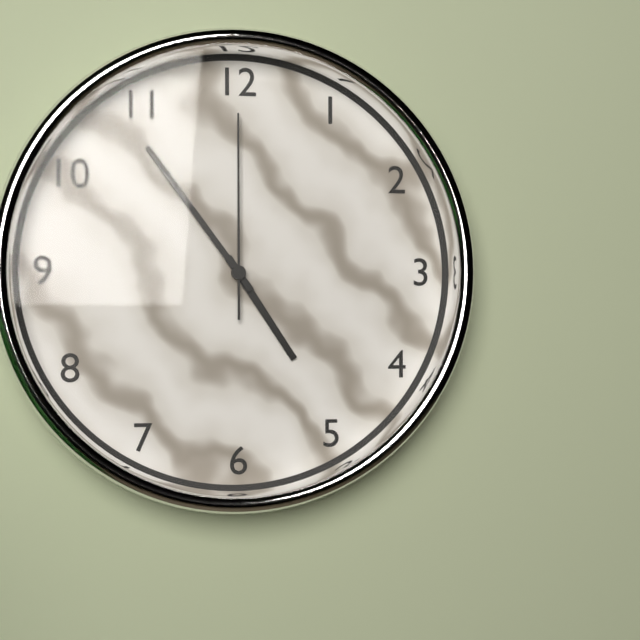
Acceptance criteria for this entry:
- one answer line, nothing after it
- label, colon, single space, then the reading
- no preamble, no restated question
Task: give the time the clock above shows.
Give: 4:54:00
